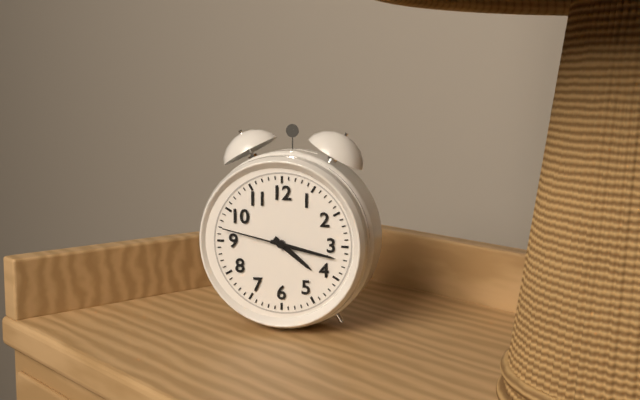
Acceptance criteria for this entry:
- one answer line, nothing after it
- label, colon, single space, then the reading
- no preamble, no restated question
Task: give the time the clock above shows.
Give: 4:17:47
